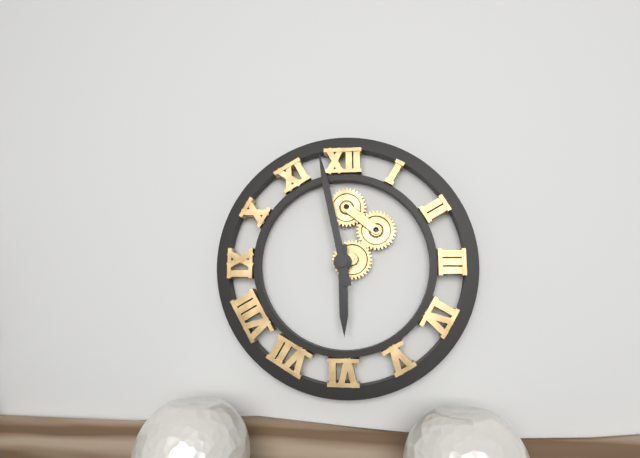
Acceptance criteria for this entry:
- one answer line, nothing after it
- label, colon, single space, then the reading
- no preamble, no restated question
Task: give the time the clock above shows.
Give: 5:58
